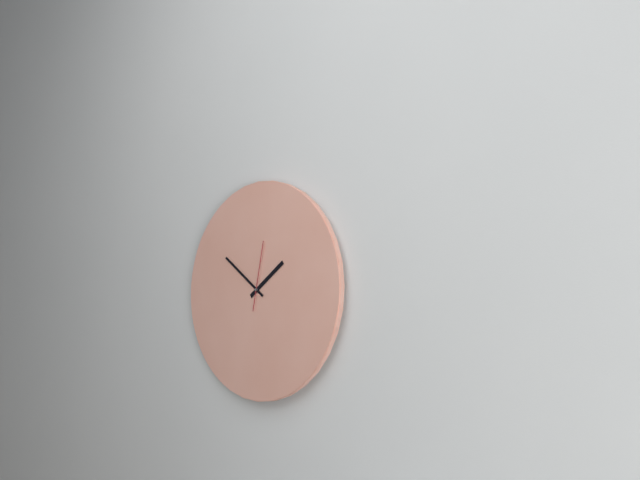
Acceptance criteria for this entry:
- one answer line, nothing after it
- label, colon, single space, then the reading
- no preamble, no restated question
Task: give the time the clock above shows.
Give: 1:51:02
